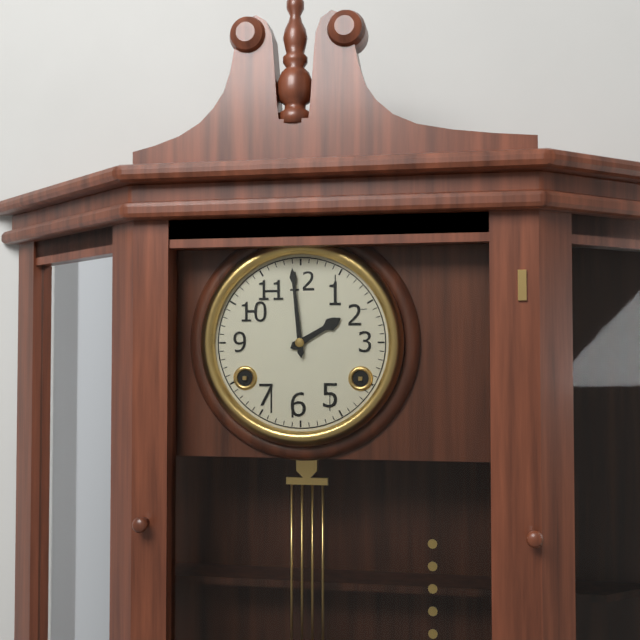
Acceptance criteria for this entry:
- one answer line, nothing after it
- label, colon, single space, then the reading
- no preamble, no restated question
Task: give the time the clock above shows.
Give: 1:59
